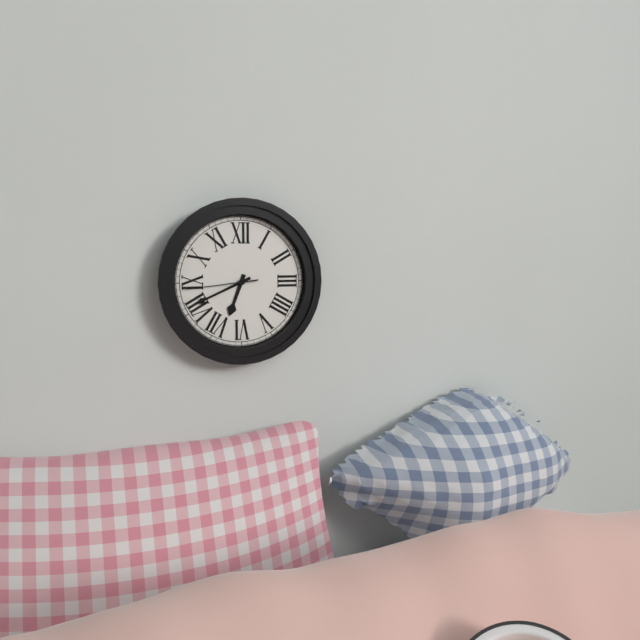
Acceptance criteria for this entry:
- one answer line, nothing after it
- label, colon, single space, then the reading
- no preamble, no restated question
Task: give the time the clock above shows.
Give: 6:41:44
